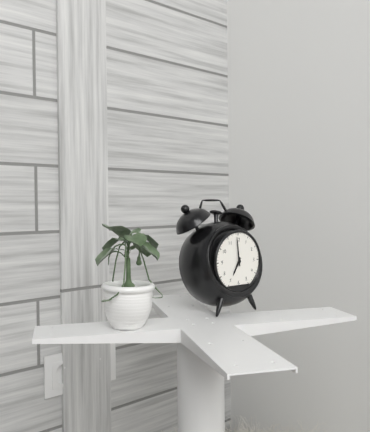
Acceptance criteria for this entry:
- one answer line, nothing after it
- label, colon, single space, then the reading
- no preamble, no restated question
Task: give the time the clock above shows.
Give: 6:59
